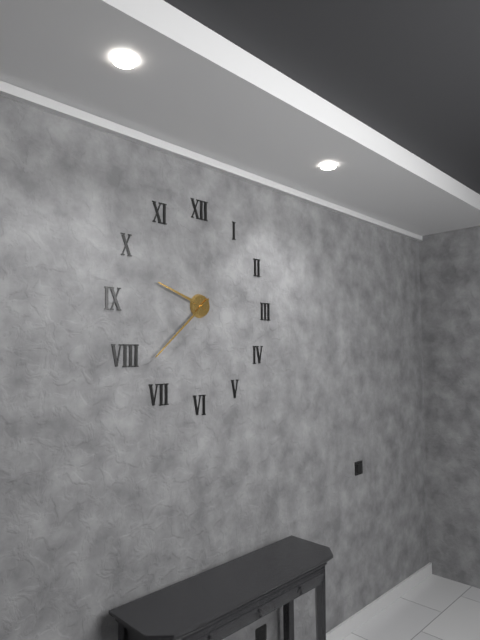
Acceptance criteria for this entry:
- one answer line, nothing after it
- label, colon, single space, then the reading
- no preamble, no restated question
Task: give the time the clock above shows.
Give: 9:38
